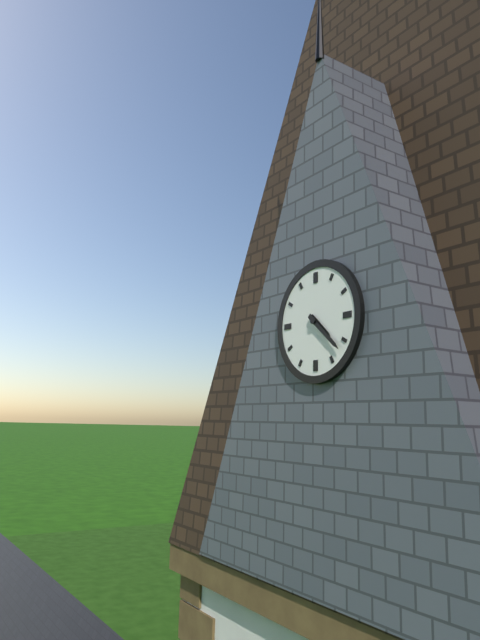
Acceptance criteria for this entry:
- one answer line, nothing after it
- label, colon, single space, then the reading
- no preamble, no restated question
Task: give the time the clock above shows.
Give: 4:22
